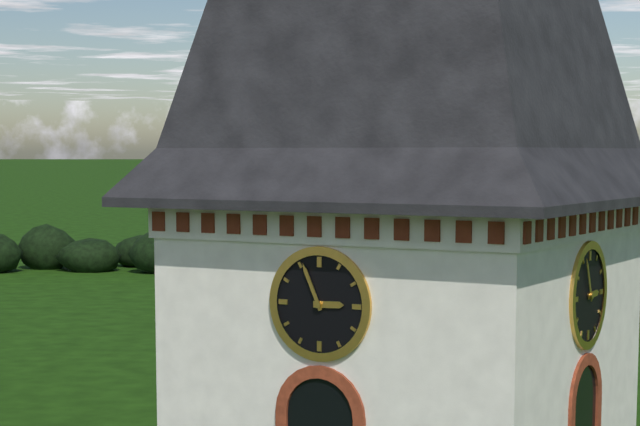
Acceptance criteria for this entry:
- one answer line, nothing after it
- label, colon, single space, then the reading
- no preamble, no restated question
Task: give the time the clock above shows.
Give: 2:56
